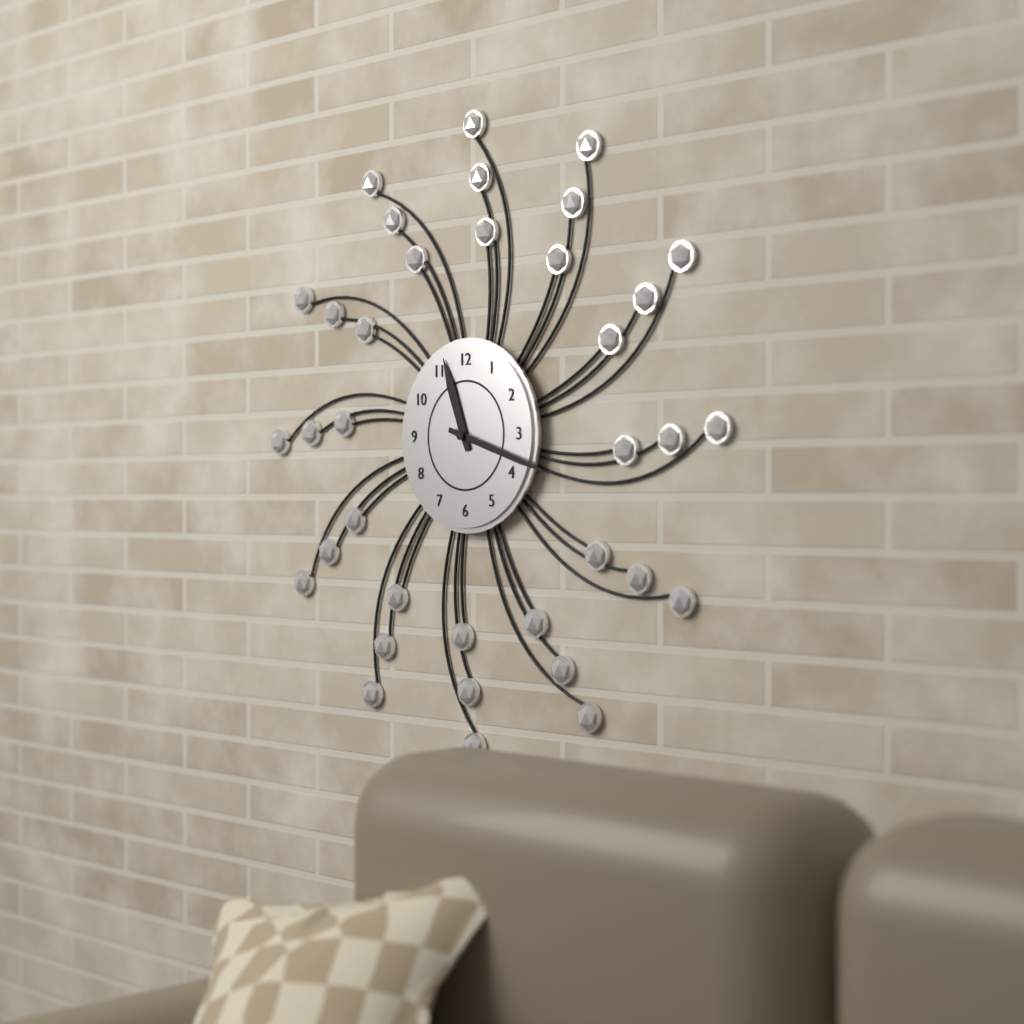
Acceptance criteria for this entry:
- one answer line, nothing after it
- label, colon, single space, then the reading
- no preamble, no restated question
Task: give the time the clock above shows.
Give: 11:18
